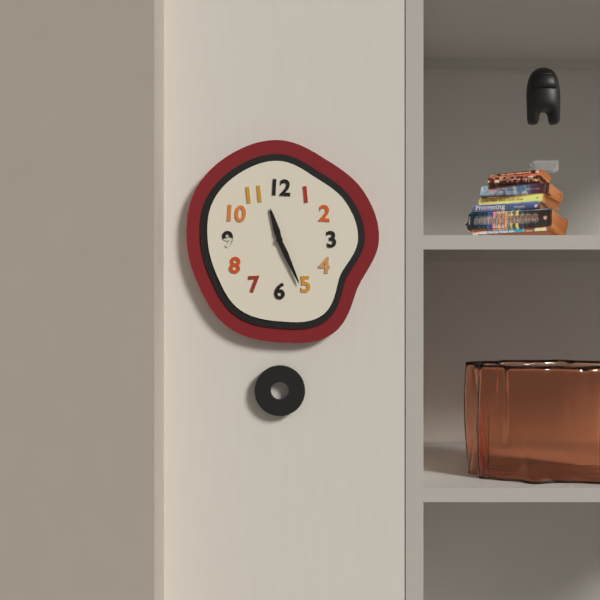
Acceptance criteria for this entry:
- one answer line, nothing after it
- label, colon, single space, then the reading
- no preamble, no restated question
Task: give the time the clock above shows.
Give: 11:26
